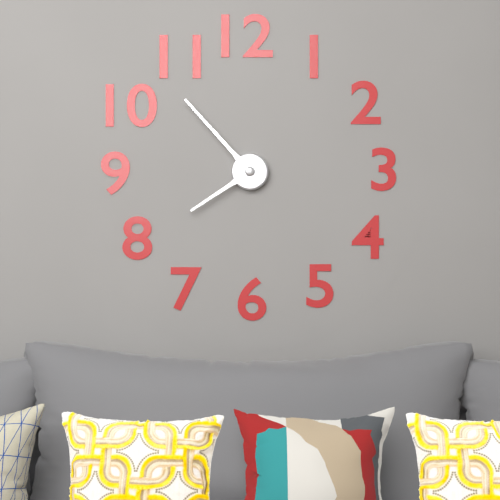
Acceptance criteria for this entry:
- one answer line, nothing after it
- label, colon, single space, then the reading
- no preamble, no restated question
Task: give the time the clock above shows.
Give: 7:53
